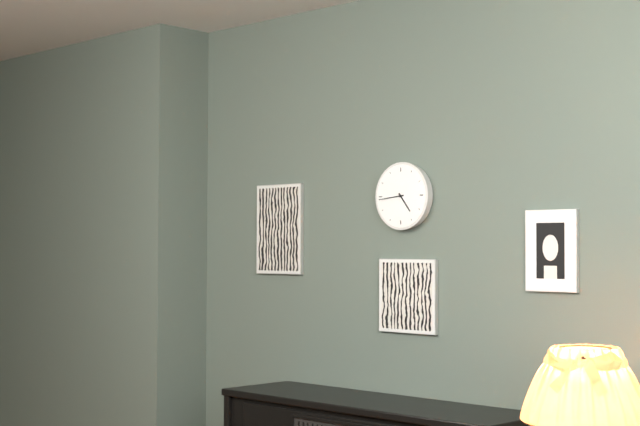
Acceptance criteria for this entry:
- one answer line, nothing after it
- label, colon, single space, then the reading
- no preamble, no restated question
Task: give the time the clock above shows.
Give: 4:44
